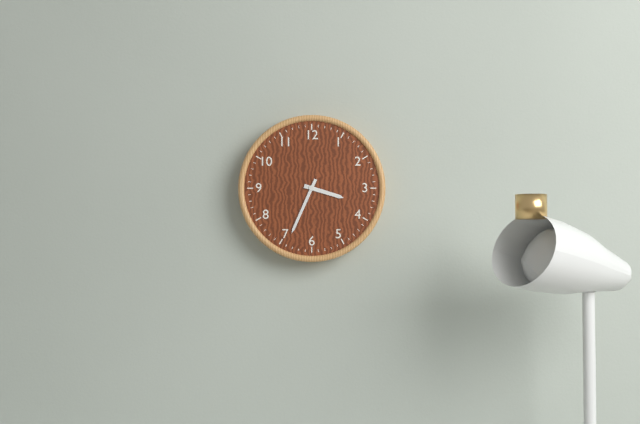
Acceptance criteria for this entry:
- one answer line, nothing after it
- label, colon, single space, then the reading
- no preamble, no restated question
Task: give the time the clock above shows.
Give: 3:34
